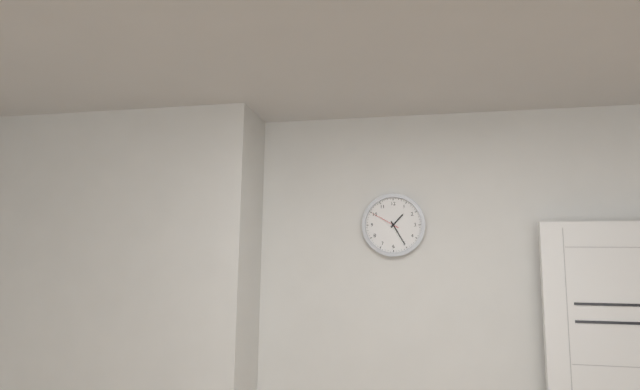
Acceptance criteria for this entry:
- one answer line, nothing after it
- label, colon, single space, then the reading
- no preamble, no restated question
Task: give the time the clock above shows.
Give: 1:25
